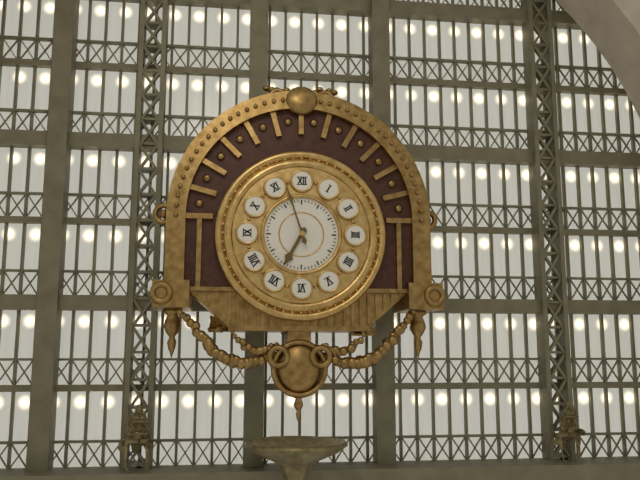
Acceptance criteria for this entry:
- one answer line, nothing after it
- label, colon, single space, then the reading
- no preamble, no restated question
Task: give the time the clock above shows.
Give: 6:57
